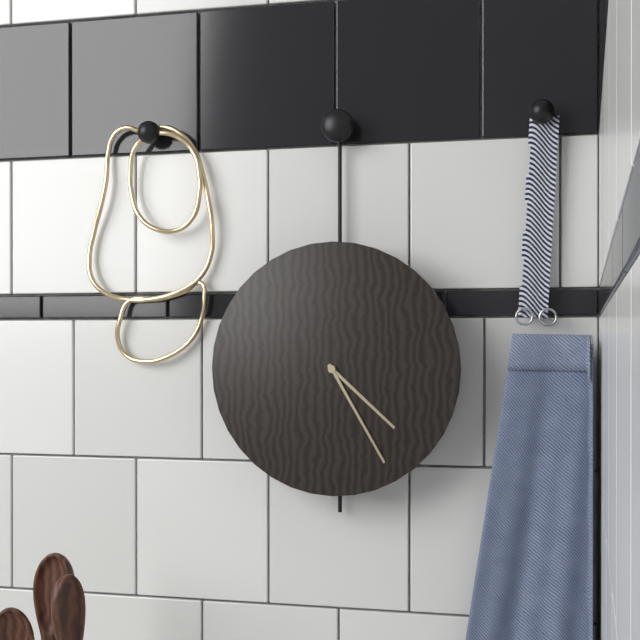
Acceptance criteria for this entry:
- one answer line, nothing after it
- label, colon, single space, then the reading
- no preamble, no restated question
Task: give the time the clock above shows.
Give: 4:25
